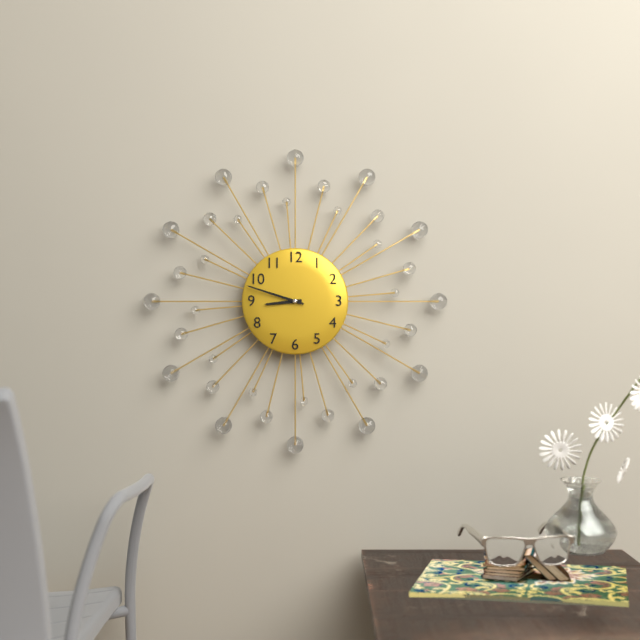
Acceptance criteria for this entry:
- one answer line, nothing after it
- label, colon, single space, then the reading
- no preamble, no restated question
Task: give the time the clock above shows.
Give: 8:48
